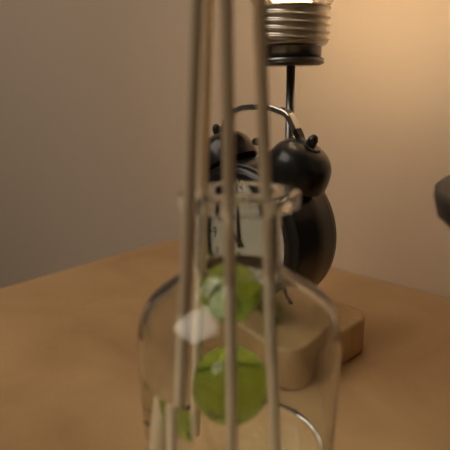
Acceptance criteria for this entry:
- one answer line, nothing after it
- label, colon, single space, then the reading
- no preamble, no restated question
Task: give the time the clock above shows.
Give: 11:51
